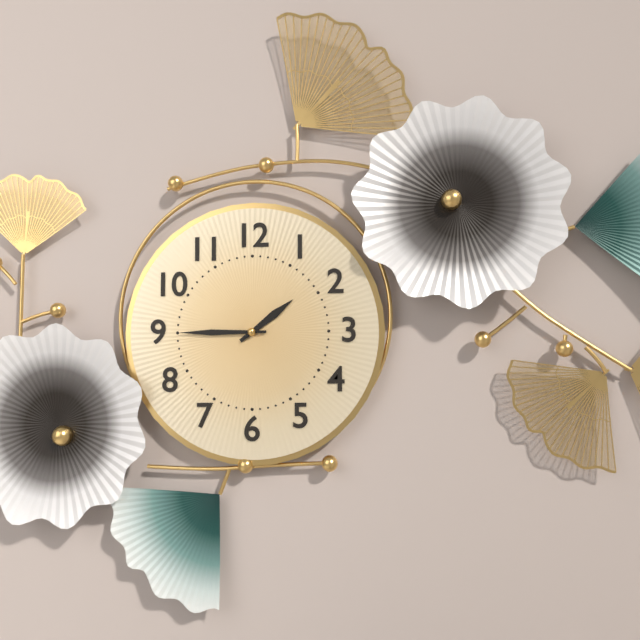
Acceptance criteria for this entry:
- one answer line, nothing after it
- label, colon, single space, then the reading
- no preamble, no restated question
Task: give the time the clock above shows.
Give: 1:45
